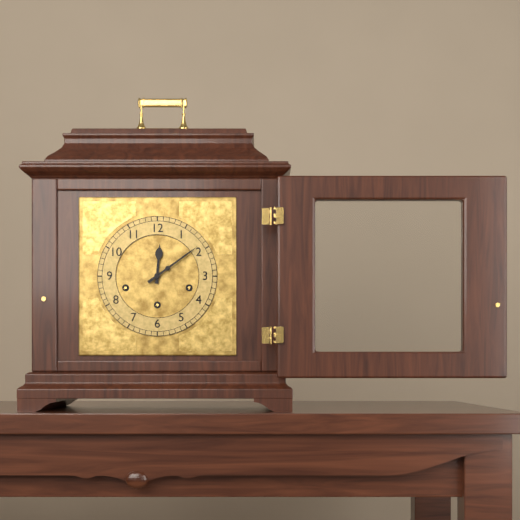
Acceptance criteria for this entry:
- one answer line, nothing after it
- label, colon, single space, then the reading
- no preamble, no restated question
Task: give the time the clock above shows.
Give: 12:09
